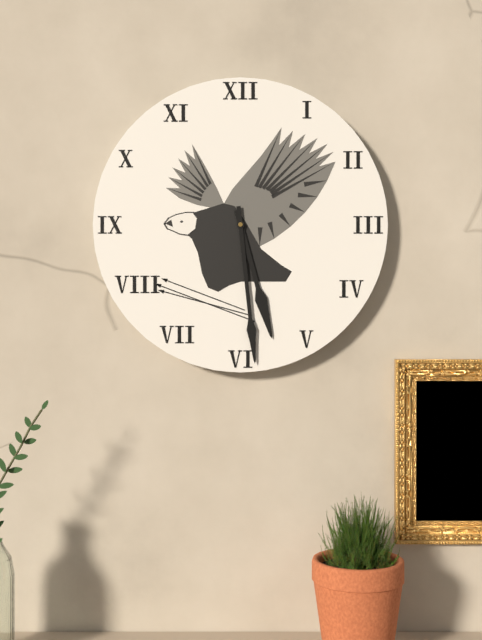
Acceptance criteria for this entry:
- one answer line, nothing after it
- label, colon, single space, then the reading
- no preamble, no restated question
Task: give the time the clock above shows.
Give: 5:29
